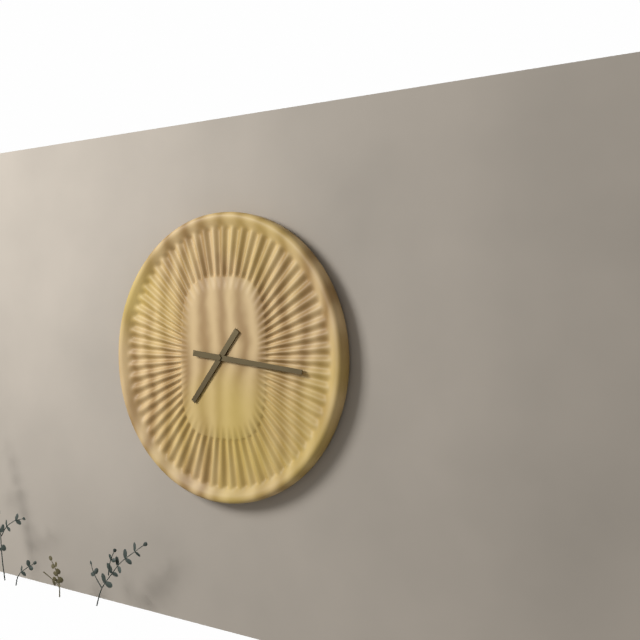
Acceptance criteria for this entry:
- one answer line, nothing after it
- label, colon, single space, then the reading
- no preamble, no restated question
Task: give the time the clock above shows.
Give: 7:16
